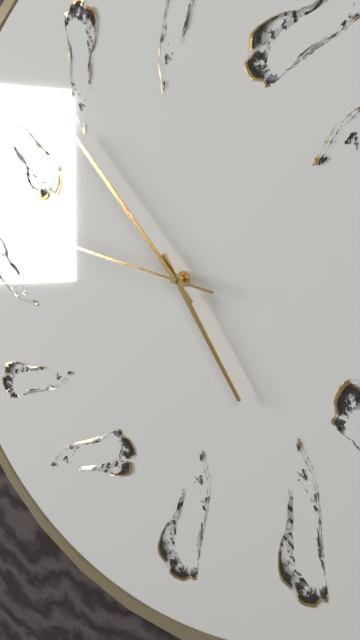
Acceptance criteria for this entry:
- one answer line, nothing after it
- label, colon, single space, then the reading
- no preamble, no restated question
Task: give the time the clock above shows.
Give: 4:53:47
